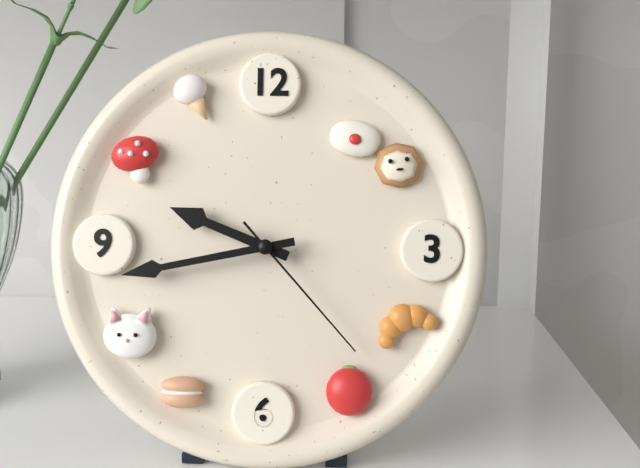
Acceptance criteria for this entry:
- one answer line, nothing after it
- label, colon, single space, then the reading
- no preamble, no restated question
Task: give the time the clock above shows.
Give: 9:43:23
